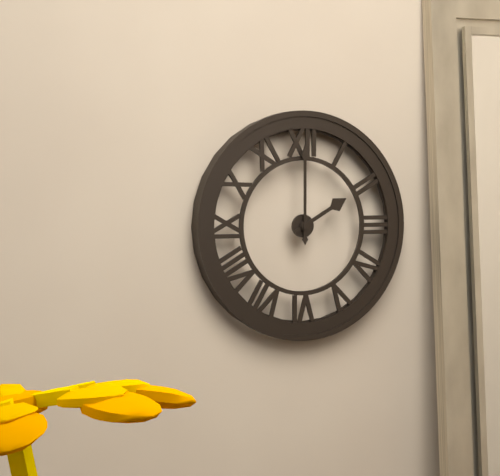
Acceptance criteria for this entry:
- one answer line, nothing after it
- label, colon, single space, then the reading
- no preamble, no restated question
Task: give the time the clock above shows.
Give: 2:00
